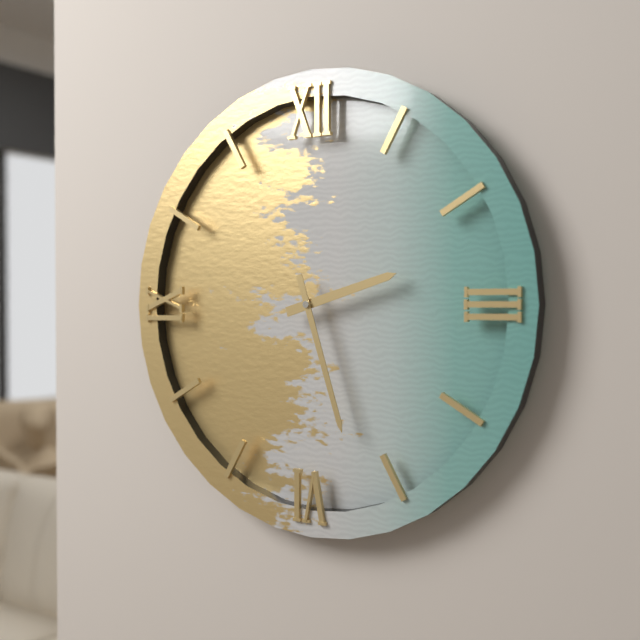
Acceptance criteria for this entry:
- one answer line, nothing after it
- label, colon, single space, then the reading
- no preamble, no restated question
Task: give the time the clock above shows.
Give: 2:27
